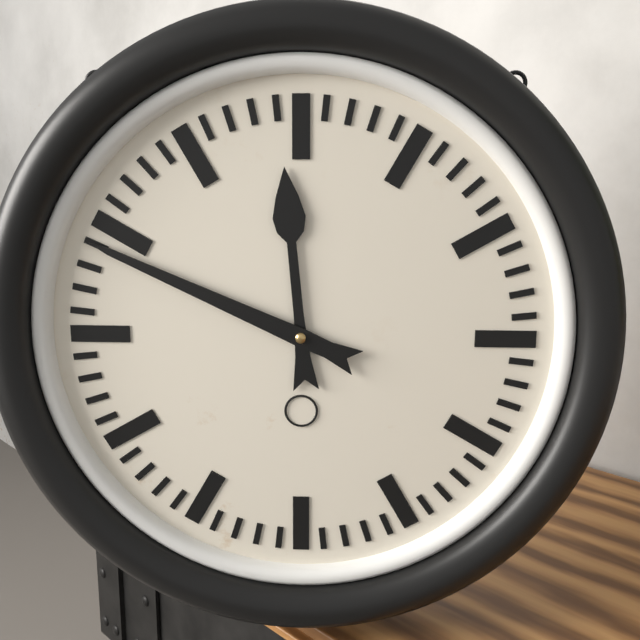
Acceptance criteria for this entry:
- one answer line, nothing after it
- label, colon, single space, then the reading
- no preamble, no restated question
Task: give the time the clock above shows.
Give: 11:49
